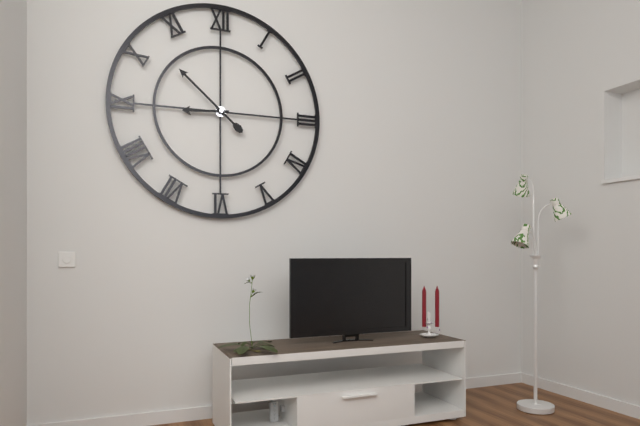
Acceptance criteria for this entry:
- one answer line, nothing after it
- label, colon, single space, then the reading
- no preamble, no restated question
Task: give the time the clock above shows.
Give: 8:52
